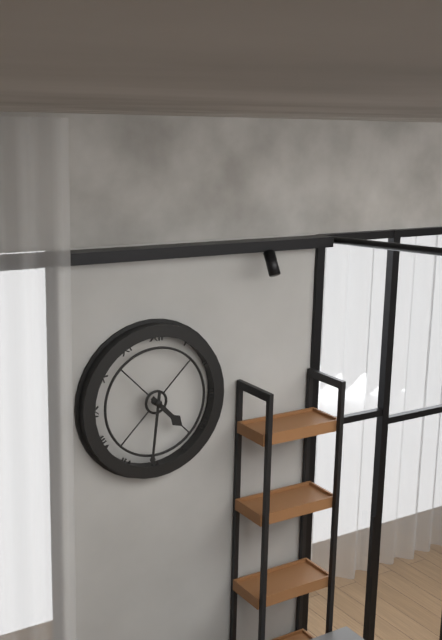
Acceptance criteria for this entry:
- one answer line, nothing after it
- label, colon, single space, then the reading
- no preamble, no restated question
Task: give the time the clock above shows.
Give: 4:31
